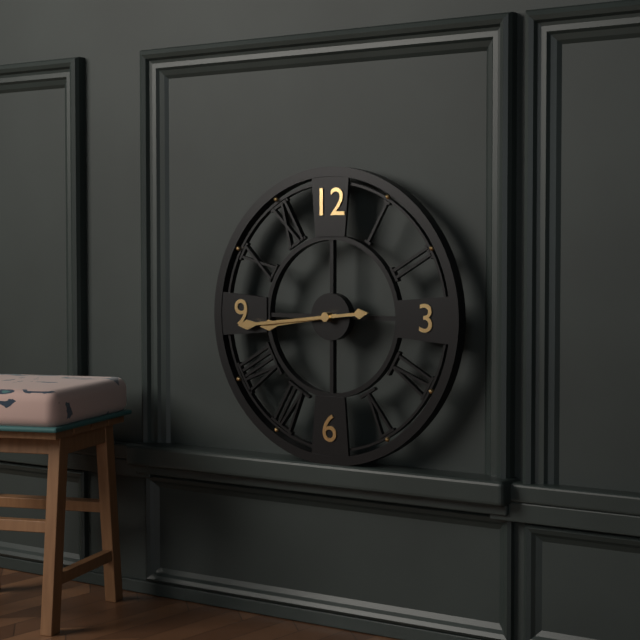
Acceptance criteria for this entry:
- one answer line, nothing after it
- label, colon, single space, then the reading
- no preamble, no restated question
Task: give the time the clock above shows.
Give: 8:44
